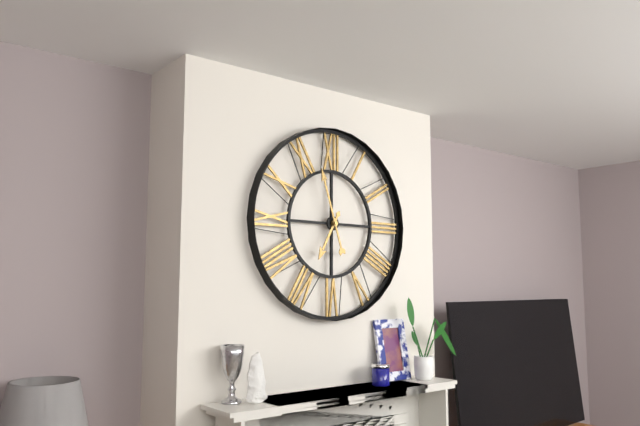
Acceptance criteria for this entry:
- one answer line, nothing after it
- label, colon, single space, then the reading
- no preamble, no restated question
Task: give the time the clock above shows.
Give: 6:57
